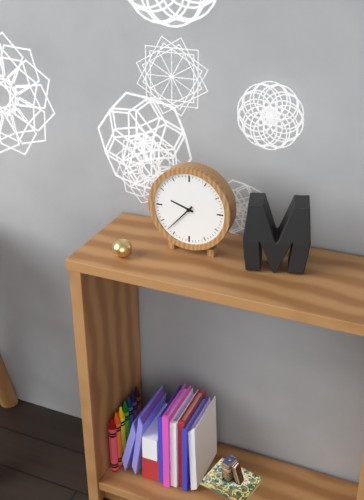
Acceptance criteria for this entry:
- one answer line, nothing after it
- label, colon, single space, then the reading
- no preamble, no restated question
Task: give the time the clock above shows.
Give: 9:37
